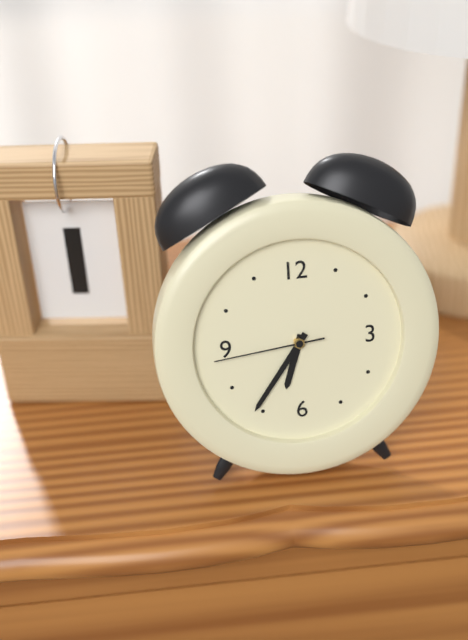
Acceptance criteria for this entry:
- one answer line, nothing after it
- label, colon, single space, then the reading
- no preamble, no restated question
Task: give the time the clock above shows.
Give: 6:36:44
